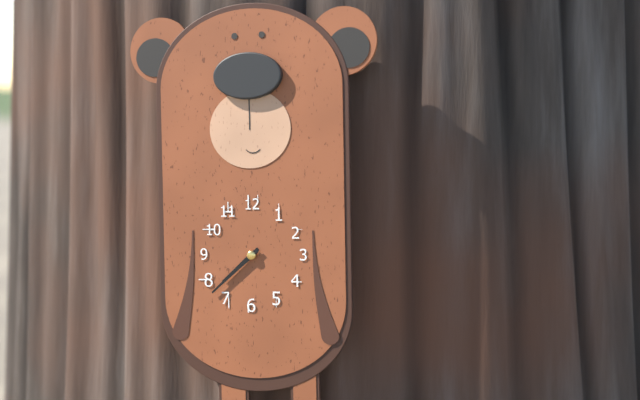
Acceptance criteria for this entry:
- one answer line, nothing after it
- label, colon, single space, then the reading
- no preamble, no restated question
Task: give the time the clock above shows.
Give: 7:38
